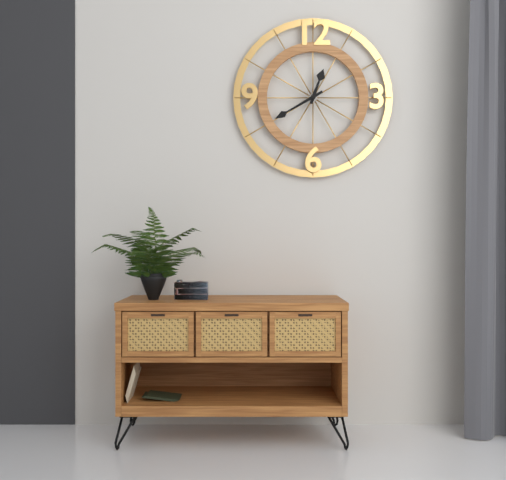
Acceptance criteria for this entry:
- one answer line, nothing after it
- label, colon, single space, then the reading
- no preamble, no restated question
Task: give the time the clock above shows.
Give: 12:40
